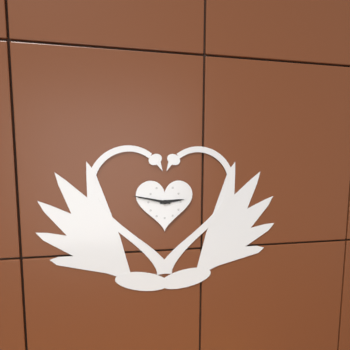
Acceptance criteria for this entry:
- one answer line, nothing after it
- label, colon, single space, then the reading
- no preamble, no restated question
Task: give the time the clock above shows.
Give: 2:47
